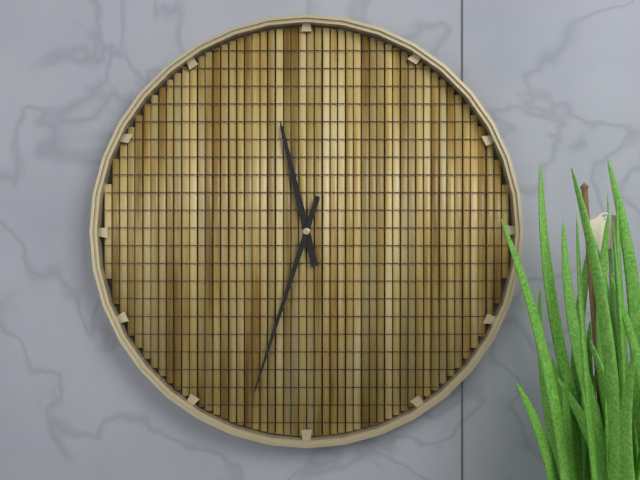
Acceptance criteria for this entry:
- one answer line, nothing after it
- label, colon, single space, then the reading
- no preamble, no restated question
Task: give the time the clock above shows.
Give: 11:33
